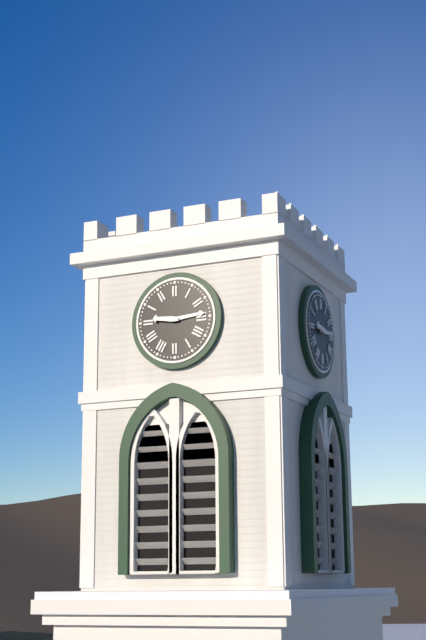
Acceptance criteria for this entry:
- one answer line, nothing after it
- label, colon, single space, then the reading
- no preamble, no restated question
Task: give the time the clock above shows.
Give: 9:14
